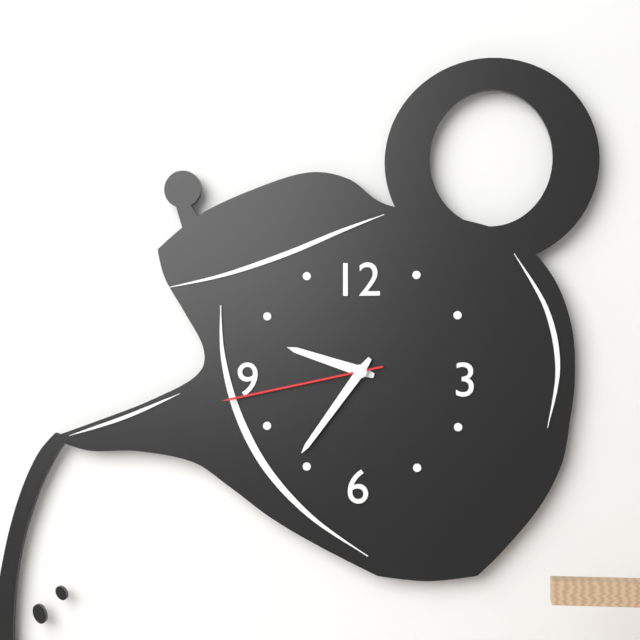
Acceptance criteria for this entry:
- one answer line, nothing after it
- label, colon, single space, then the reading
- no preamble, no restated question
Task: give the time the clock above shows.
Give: 9:36:43
